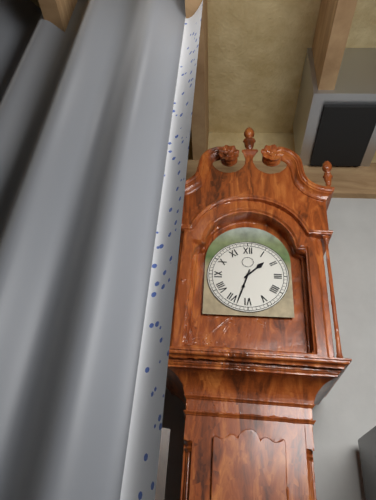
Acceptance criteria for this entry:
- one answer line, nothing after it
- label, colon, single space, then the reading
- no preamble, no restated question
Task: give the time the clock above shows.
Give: 1:33
